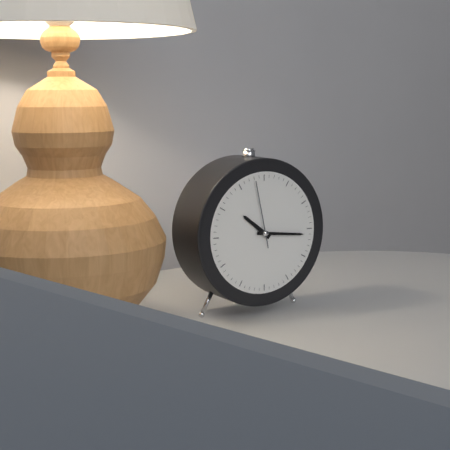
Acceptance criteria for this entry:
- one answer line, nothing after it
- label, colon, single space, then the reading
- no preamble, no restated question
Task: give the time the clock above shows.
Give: 10:16:58
